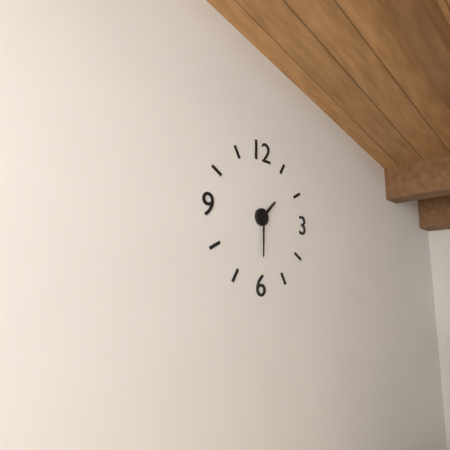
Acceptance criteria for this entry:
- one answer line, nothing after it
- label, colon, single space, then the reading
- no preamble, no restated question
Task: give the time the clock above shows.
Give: 1:30
